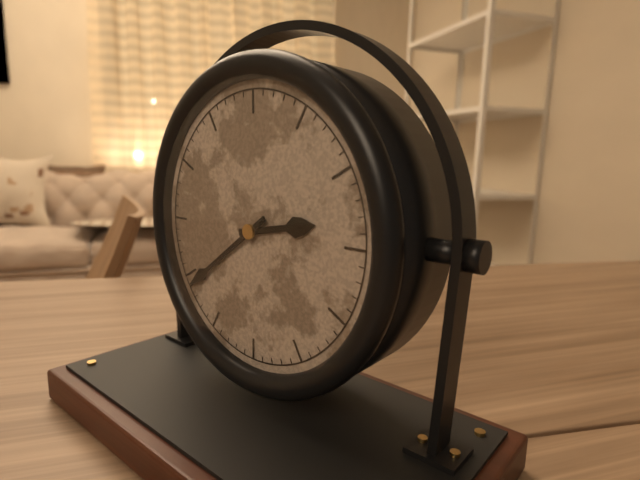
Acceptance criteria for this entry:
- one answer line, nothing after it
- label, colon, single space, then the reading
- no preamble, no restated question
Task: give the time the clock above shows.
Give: 2:39
